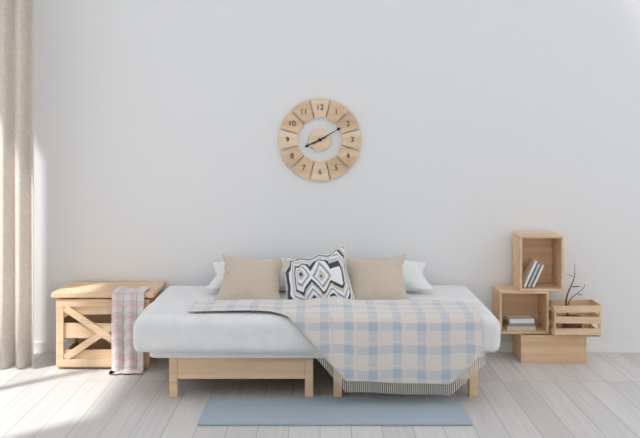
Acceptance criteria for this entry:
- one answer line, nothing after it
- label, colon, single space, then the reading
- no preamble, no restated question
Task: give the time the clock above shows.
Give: 8:10
